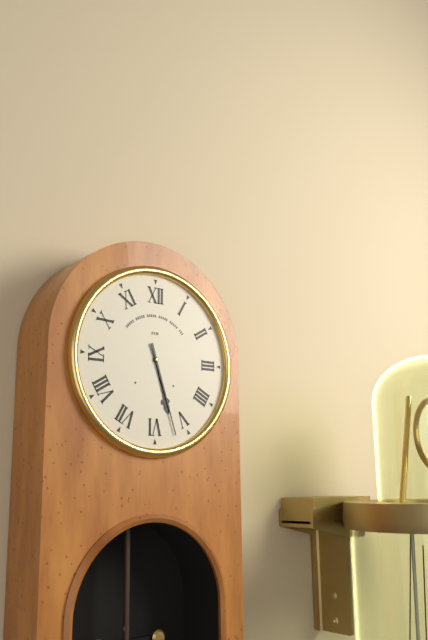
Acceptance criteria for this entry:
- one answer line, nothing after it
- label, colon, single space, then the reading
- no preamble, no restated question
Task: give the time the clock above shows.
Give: 5:27
